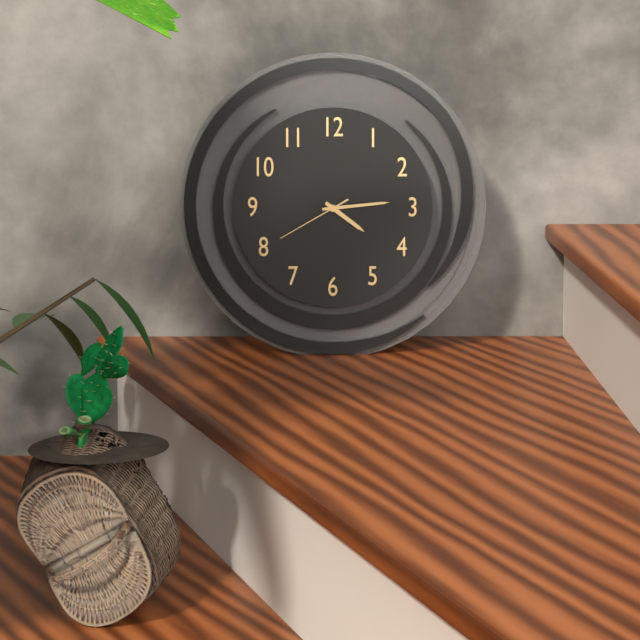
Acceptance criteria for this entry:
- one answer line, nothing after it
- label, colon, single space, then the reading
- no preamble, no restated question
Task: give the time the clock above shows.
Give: 4:14:40
